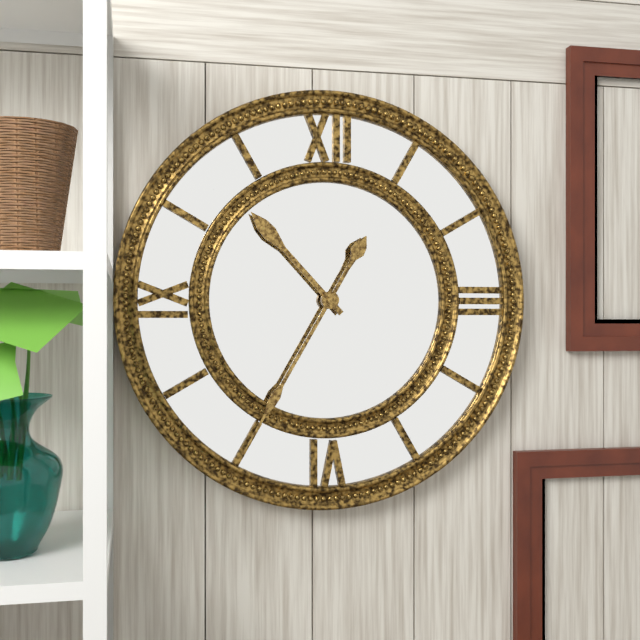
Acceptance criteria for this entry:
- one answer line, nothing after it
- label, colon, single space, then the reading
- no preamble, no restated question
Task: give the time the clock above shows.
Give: 10:35
